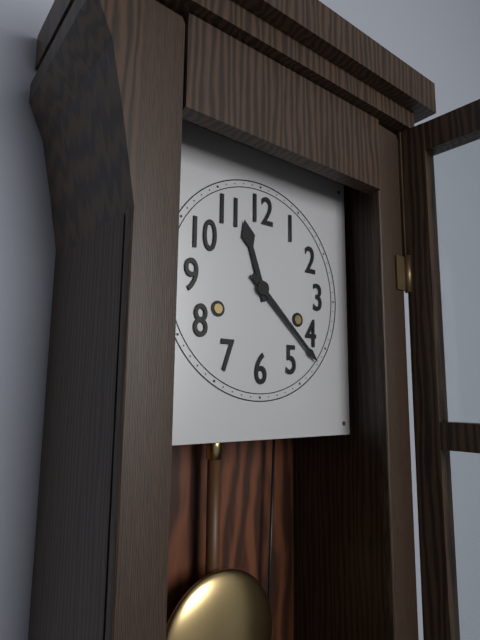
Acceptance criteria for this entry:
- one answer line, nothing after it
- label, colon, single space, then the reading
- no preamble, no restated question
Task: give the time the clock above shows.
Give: 11:22
